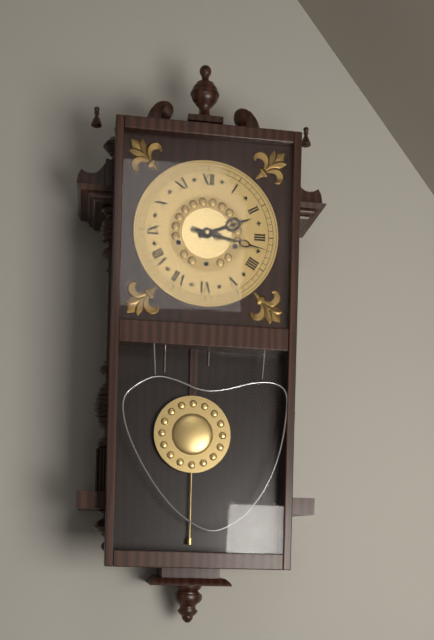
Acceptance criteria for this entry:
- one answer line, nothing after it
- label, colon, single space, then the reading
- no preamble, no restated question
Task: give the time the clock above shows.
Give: 2:17
